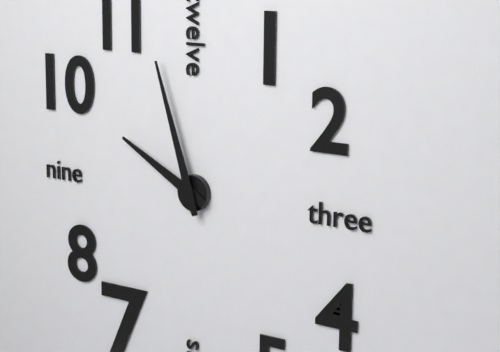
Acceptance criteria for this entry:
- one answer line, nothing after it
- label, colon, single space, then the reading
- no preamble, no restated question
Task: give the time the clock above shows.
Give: 9:57
